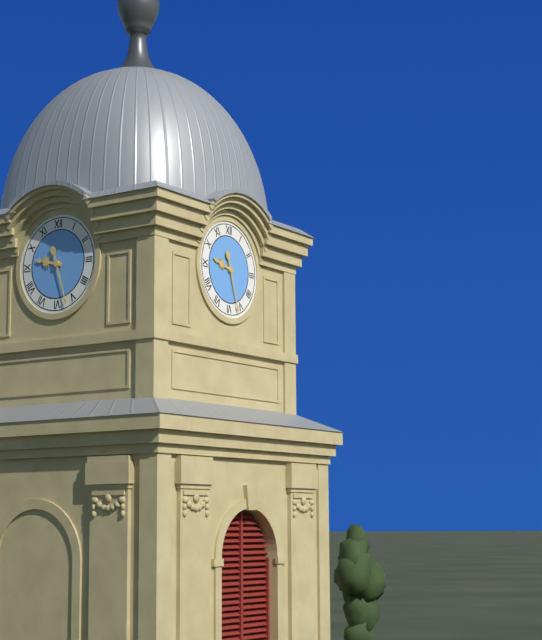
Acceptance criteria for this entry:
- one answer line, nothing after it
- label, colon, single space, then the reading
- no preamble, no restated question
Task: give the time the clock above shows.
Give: 9:27
